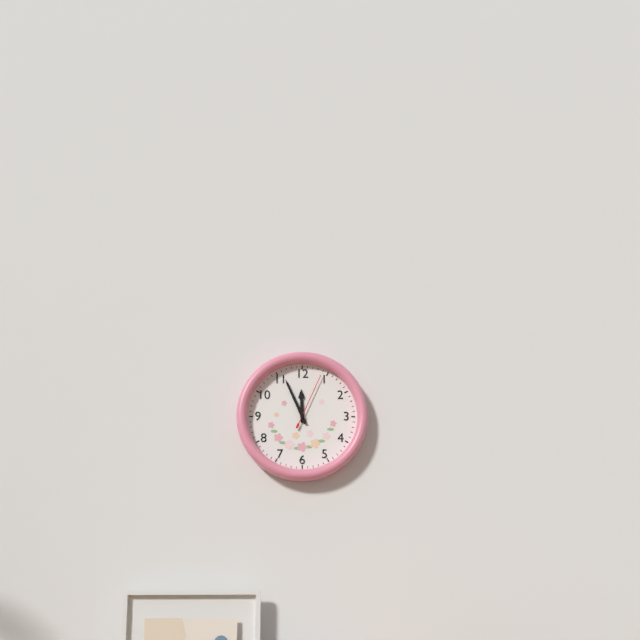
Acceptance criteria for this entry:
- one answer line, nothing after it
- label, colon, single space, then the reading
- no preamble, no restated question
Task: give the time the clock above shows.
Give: 11:56:04
